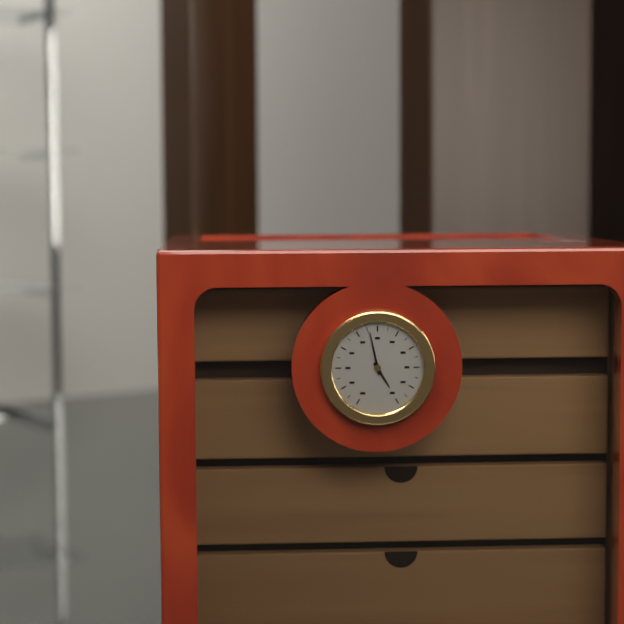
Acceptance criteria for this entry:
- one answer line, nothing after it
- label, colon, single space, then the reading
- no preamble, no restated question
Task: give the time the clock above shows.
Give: 4:58
